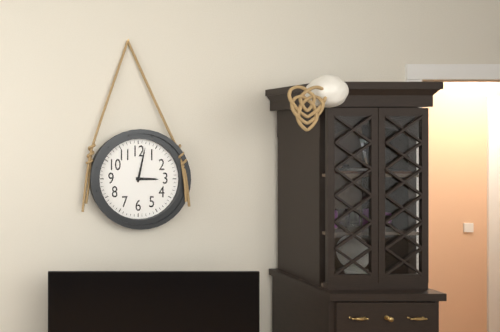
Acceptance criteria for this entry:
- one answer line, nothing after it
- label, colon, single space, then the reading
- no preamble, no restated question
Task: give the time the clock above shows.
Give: 3:02
